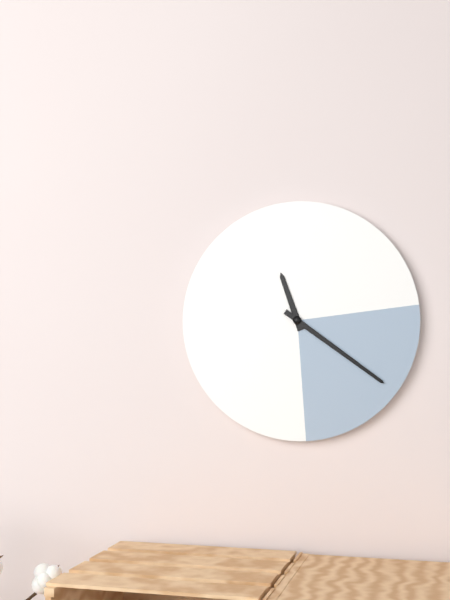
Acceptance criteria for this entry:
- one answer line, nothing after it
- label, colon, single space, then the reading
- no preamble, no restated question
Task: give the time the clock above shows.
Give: 11:21
